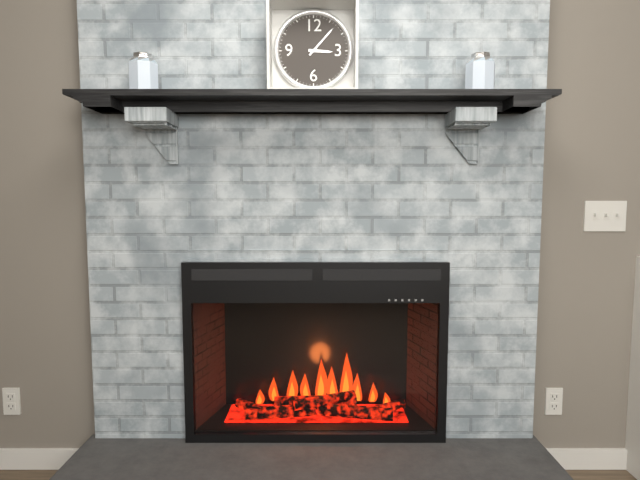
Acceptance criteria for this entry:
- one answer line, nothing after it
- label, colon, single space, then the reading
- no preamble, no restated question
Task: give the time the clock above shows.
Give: 3:07
